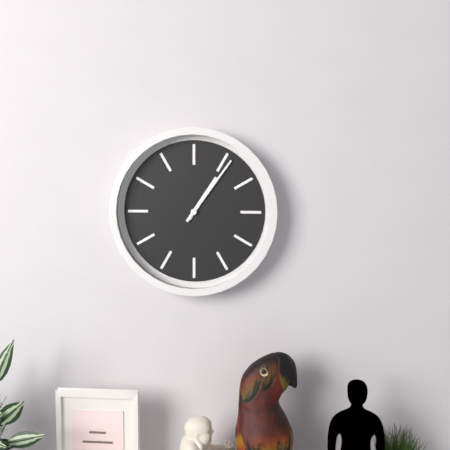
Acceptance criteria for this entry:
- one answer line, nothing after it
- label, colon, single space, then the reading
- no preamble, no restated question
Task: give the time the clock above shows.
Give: 1:06
